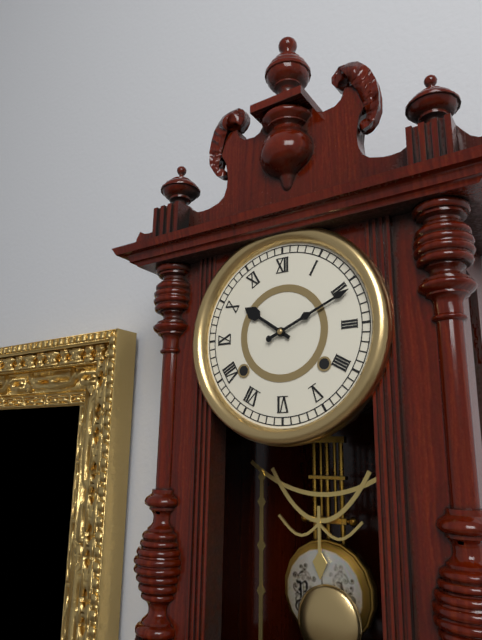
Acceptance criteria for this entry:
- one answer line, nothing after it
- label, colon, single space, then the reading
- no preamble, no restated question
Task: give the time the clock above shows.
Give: 10:11
